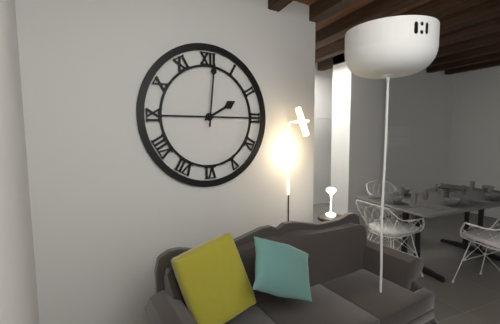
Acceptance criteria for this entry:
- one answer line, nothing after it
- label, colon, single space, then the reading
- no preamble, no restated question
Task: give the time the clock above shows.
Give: 2:01
